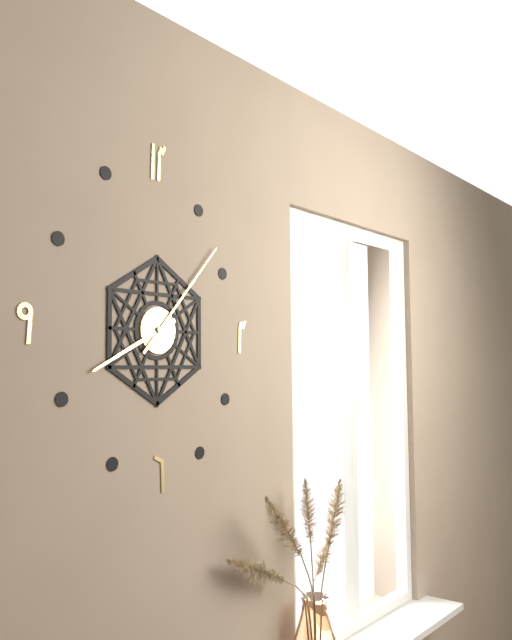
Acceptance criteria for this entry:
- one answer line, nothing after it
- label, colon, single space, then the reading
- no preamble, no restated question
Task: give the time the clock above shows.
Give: 8:07
